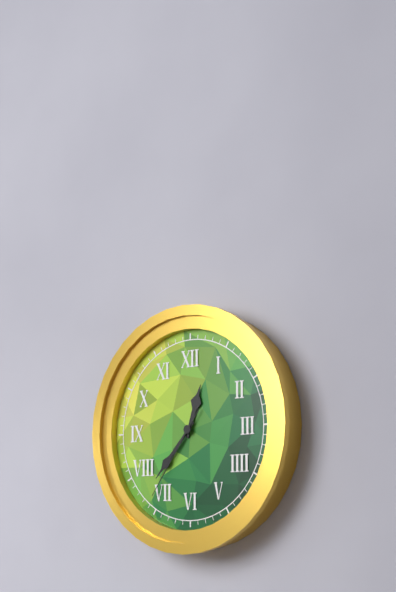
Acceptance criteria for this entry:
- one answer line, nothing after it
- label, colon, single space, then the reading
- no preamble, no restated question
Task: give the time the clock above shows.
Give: 12:37:36
